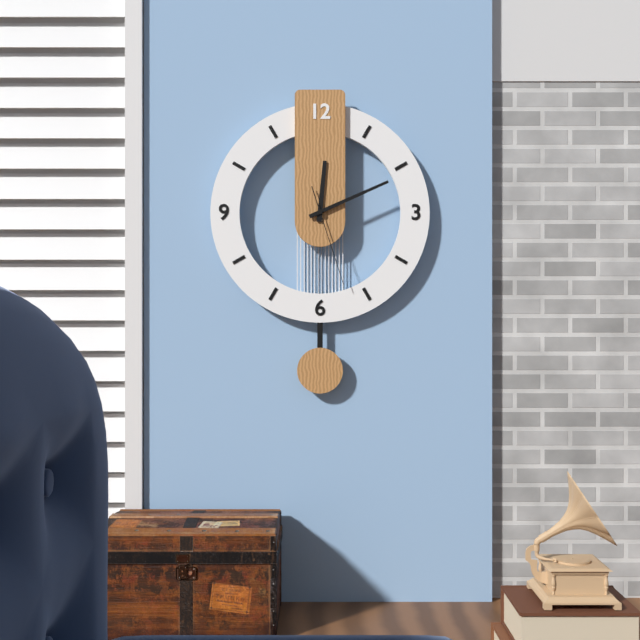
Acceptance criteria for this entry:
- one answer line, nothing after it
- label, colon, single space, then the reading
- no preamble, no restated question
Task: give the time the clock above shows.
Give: 12:11:27
